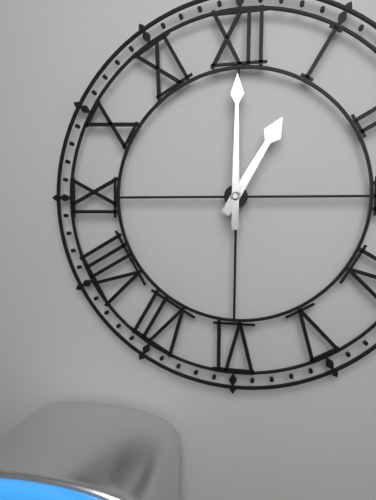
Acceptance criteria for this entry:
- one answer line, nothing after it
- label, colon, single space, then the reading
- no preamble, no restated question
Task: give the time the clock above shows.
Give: 1:00
